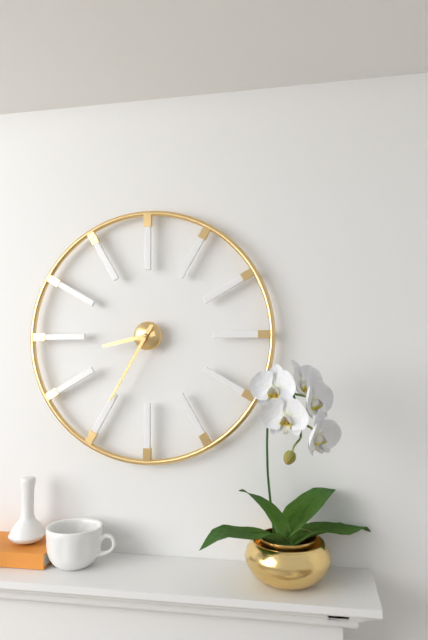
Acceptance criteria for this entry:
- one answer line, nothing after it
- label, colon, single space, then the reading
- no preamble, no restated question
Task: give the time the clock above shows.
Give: 8:35
